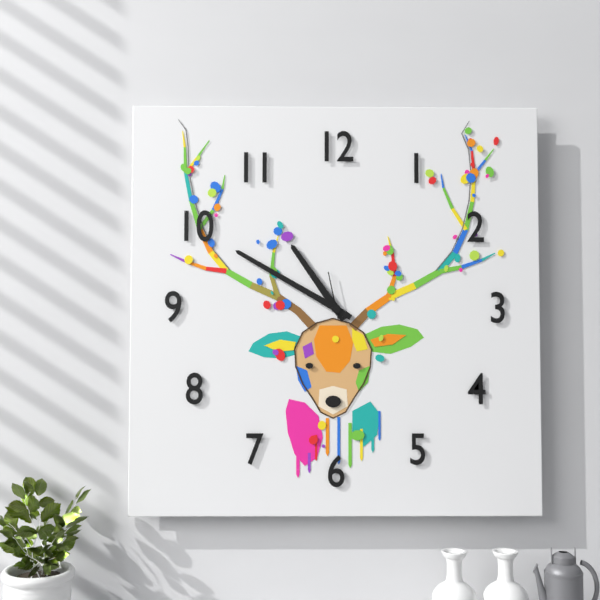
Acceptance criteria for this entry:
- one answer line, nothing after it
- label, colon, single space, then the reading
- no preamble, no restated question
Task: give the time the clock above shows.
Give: 10:50
